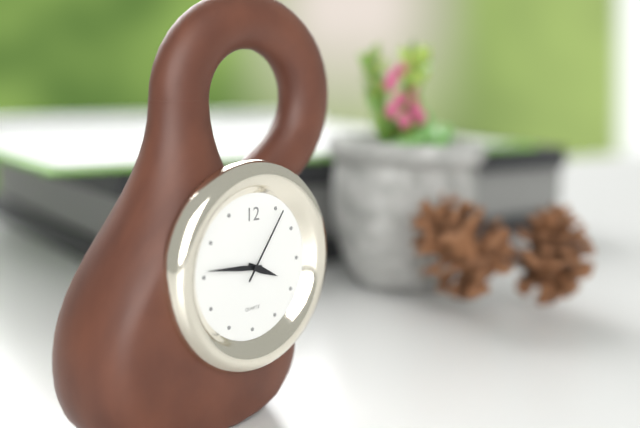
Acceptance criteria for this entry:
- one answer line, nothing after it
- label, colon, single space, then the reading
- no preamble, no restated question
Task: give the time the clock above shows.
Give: 3:46:06
